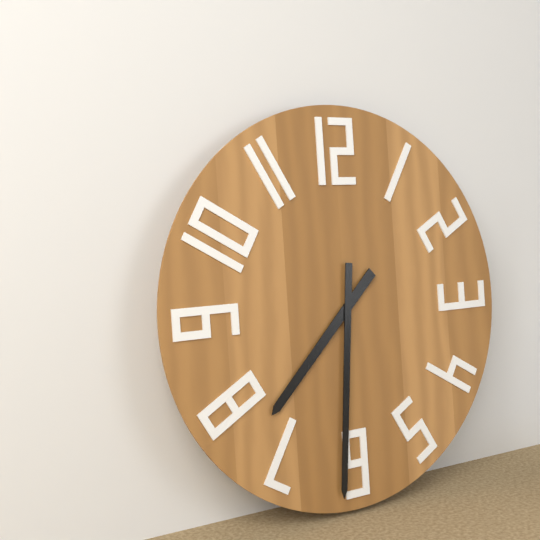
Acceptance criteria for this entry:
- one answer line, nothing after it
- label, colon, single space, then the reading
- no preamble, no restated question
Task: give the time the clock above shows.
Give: 7:31
